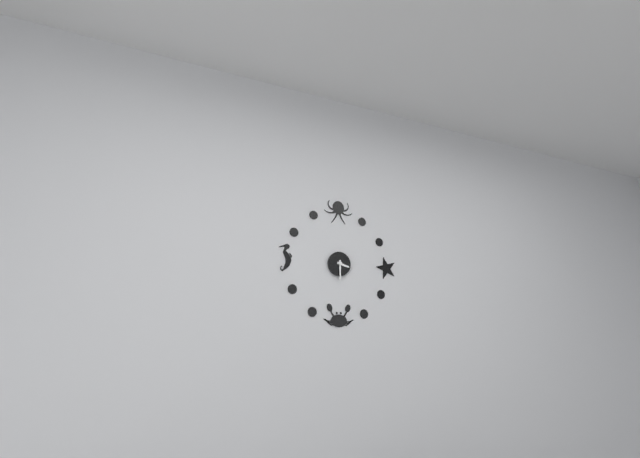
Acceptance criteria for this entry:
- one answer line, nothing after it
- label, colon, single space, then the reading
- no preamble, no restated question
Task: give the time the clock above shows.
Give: 3:30
